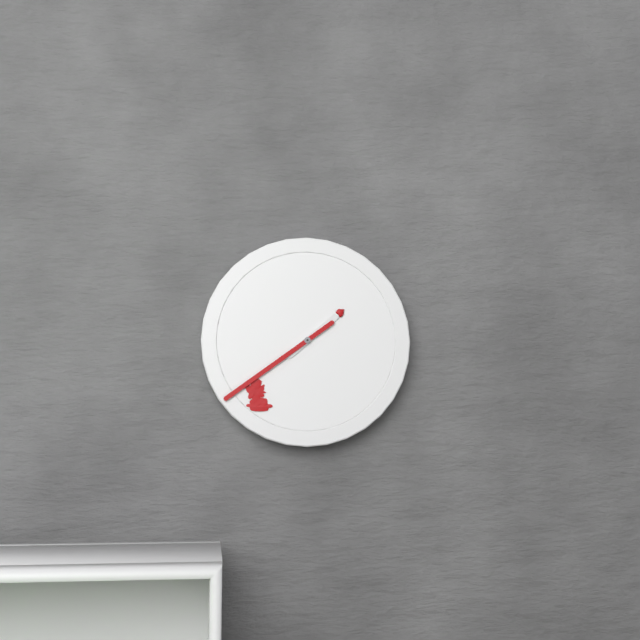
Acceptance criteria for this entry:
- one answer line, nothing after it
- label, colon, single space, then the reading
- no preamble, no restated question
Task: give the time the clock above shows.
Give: 1:39
